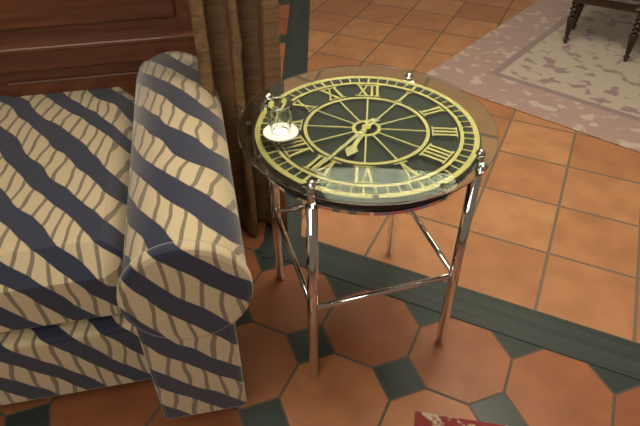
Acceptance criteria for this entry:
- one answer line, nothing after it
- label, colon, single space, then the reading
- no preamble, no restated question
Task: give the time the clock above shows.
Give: 6:35
